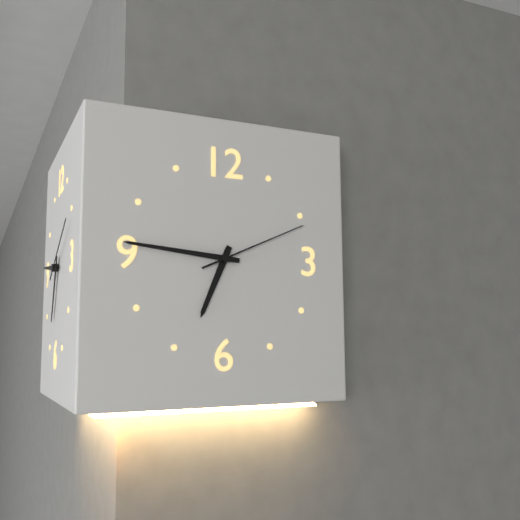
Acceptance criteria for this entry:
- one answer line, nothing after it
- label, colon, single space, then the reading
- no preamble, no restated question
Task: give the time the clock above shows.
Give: 6:46:11
